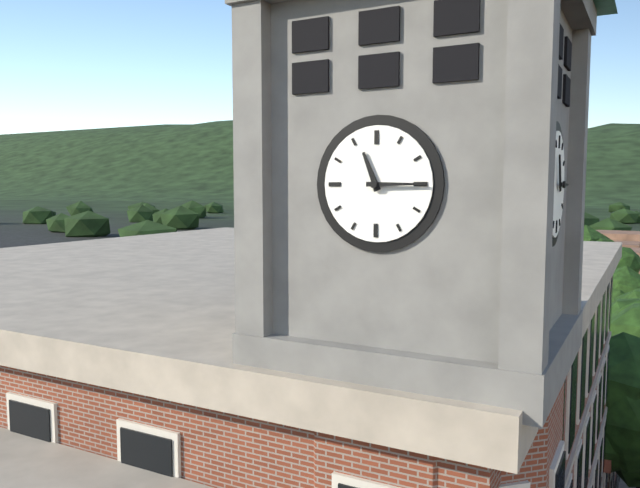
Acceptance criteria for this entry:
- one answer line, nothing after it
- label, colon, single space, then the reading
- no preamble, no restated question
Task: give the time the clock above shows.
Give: 11:15
